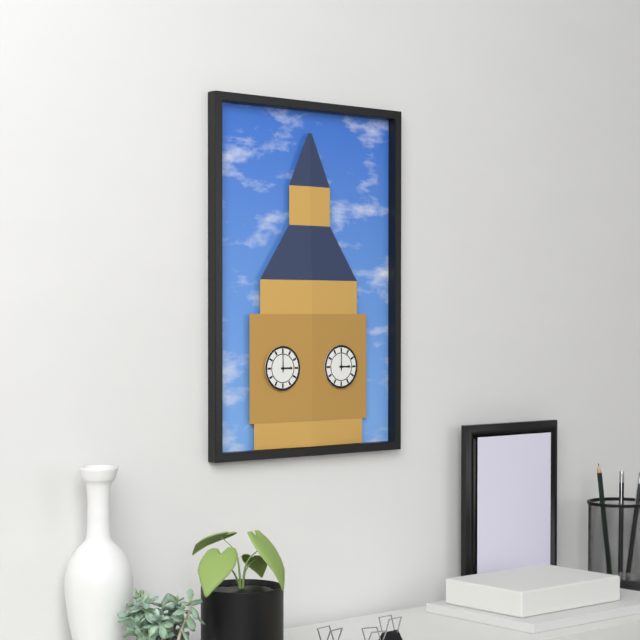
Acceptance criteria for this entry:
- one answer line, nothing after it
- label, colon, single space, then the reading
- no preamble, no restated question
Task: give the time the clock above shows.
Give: 3:00
